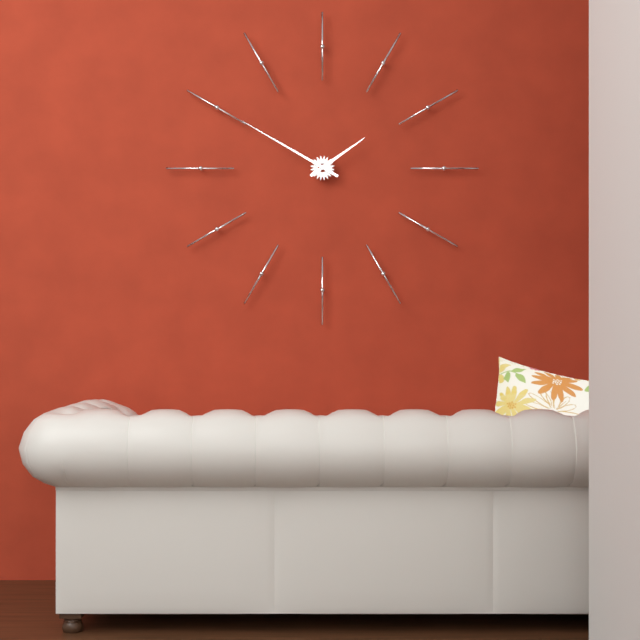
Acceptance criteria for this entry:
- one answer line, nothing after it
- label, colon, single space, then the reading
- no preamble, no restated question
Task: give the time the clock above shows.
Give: 1:50
